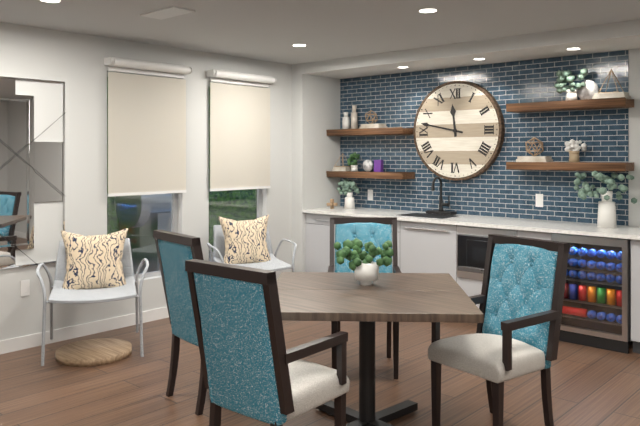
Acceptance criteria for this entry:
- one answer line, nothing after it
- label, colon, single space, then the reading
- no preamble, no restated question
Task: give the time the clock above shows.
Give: 11:47
